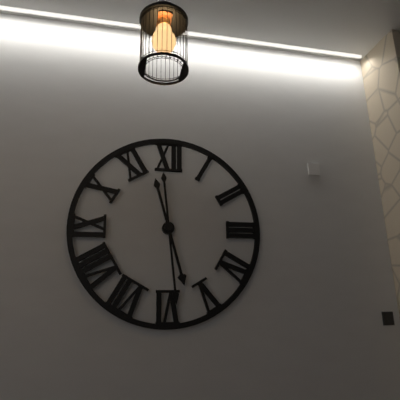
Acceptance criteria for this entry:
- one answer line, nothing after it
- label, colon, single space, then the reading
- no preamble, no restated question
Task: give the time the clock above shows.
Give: 5:29
